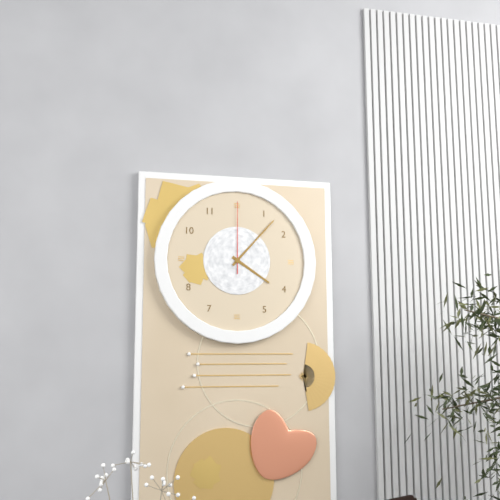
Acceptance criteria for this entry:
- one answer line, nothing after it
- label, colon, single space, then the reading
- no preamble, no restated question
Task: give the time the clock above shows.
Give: 4:07:00
